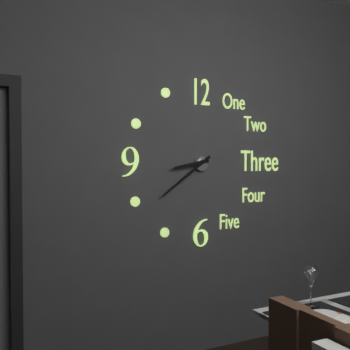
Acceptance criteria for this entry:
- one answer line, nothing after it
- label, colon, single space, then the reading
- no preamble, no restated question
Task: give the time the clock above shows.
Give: 8:39
